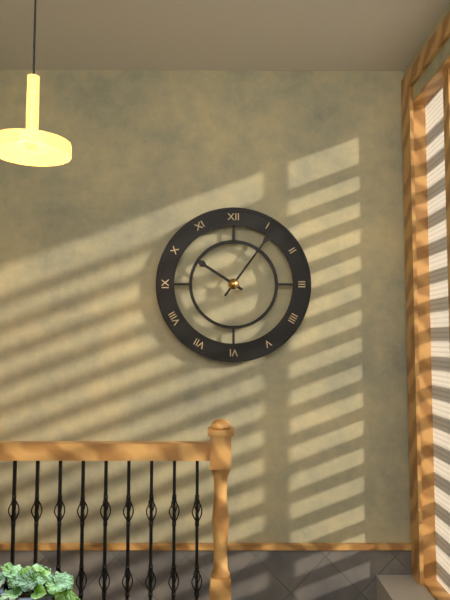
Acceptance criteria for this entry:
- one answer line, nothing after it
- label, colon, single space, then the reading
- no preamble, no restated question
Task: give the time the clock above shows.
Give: 10:06
